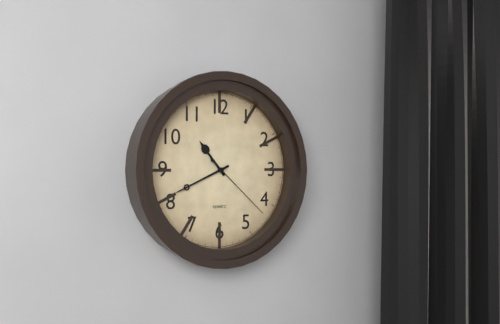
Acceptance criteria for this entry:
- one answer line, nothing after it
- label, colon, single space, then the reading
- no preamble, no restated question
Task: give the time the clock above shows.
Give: 10:41:22
